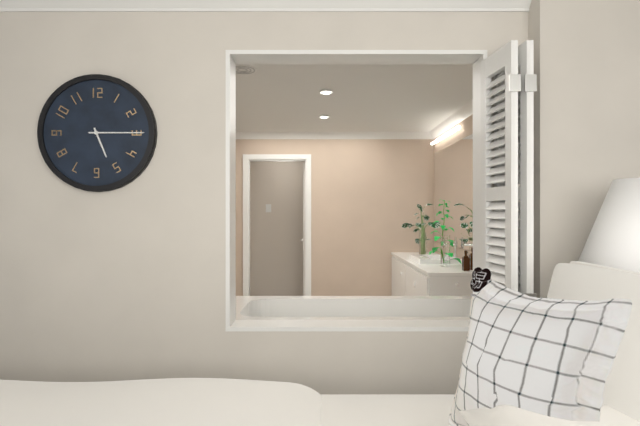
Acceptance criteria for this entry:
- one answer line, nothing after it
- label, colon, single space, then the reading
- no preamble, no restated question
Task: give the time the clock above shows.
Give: 5:15
